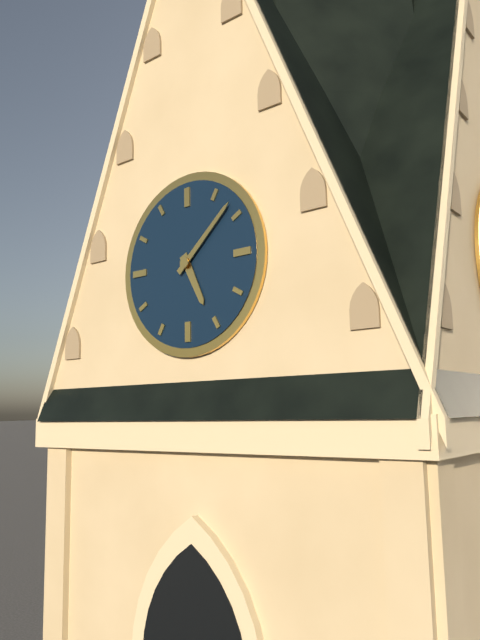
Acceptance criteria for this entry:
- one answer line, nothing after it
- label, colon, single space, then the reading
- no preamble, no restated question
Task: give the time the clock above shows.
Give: 5:08
